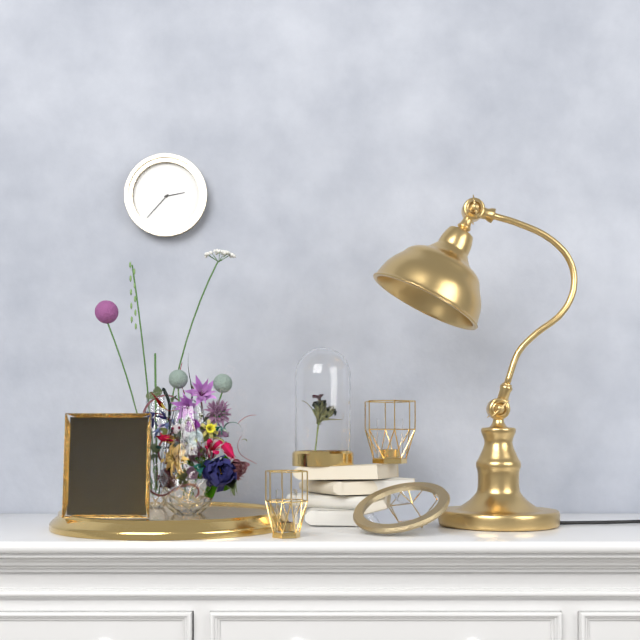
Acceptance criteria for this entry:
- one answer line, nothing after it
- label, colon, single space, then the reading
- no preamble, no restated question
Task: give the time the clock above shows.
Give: 2:37
